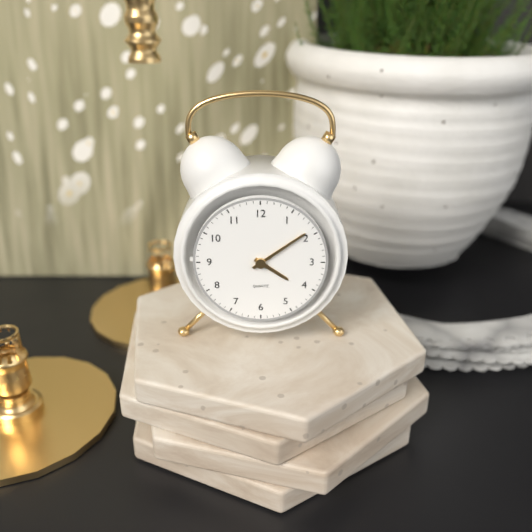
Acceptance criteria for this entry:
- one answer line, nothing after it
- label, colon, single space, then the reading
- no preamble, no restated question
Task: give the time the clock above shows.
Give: 4:09
